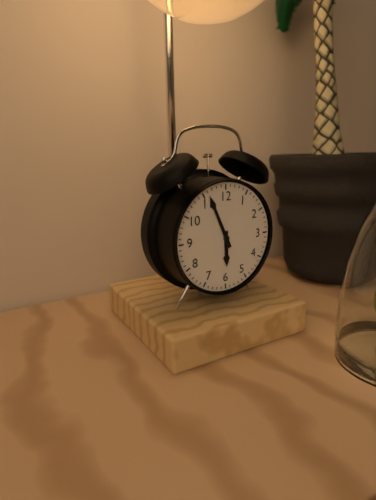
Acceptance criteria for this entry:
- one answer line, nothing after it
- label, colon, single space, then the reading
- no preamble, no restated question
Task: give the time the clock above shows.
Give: 5:56
